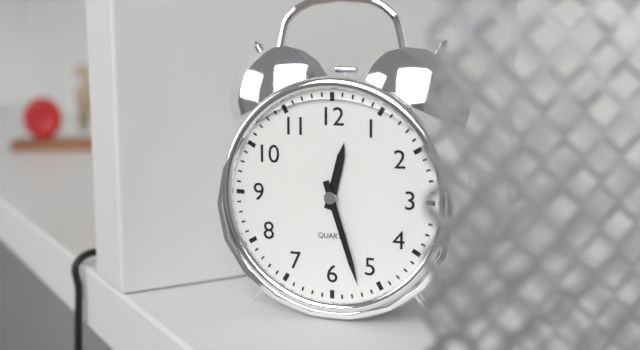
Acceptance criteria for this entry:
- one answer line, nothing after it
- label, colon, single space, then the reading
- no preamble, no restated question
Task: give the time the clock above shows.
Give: 12:27
